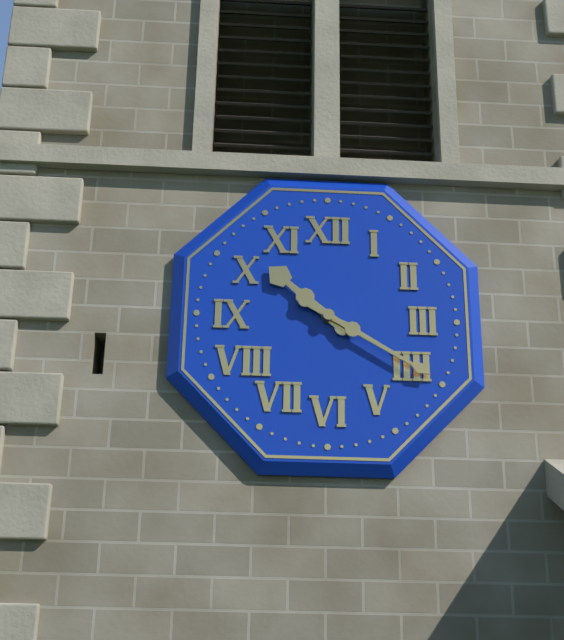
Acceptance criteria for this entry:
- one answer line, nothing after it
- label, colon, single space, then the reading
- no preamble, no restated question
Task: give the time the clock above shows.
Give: 10:20
